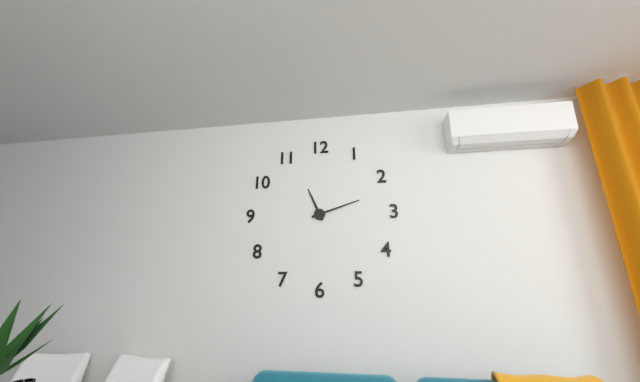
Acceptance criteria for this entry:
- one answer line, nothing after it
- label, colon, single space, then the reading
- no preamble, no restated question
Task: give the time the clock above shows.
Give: 11:12
